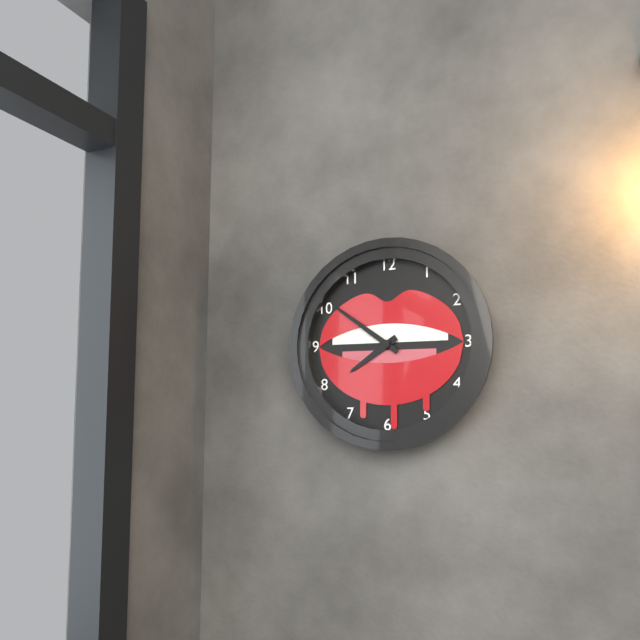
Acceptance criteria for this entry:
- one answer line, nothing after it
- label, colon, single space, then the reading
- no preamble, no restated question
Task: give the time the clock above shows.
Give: 7:51
